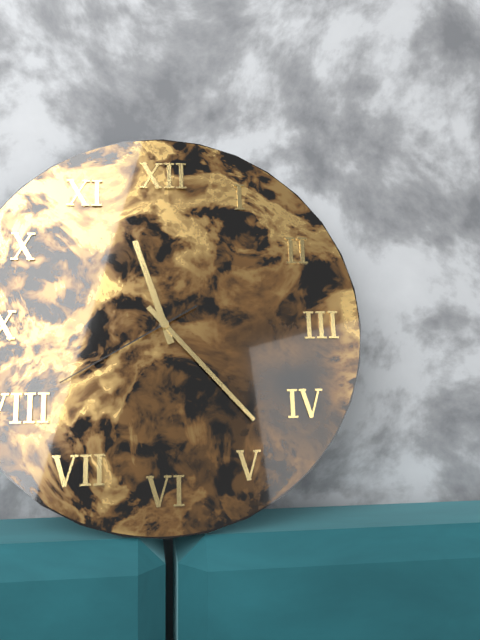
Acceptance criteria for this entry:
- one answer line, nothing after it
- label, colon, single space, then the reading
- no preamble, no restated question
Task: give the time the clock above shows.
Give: 11:23:40
